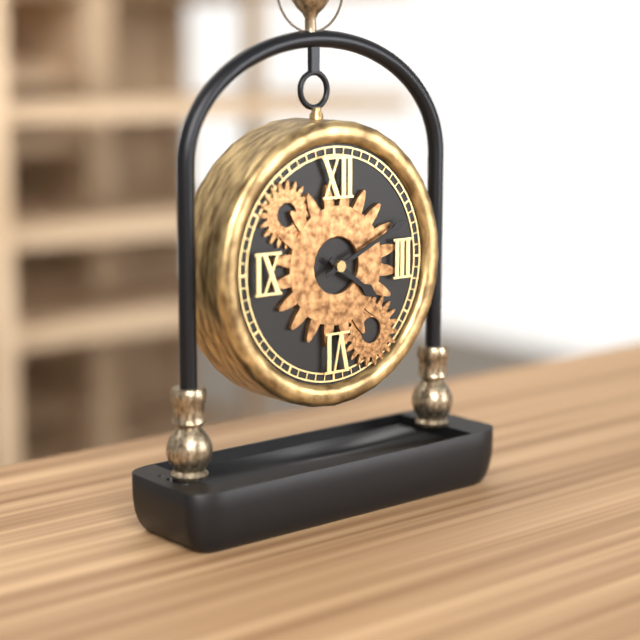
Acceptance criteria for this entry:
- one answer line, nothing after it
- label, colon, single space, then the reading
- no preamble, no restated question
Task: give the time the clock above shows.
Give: 4:11
